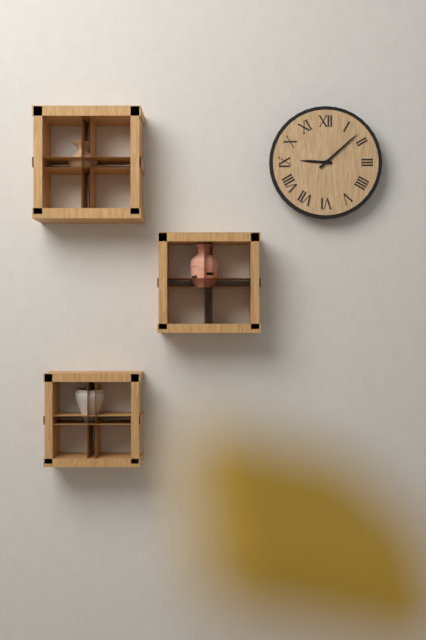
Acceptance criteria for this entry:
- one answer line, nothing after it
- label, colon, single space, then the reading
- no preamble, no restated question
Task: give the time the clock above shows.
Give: 9:08
